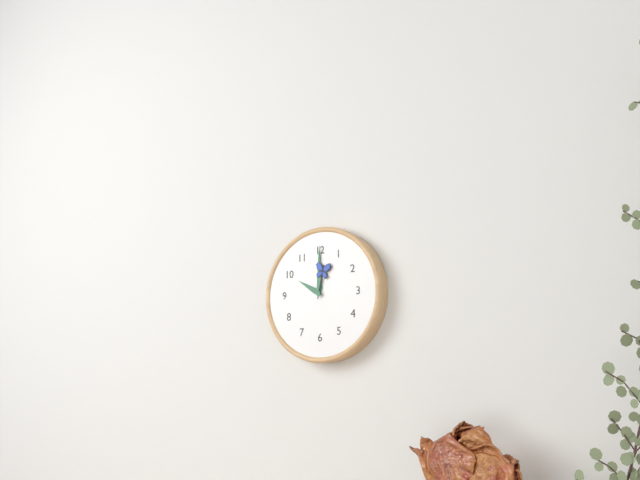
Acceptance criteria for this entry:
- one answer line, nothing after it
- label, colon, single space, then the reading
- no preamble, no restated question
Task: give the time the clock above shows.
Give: 10:00
